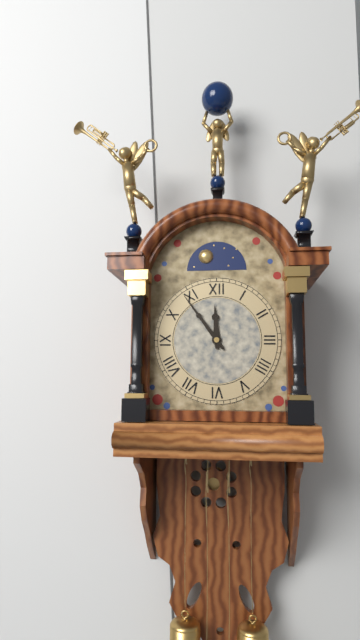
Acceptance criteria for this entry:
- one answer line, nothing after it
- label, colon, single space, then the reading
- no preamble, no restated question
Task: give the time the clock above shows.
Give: 11:54
